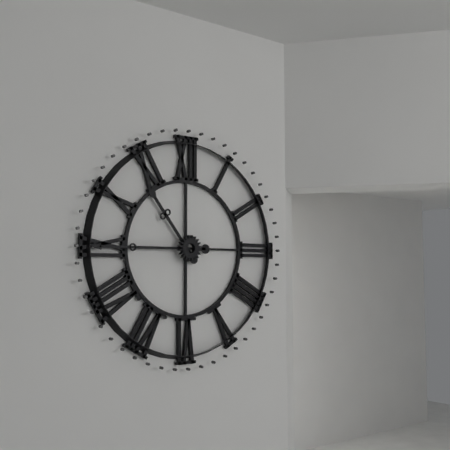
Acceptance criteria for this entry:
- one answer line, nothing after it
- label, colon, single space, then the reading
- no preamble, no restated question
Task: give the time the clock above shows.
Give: 10:45
